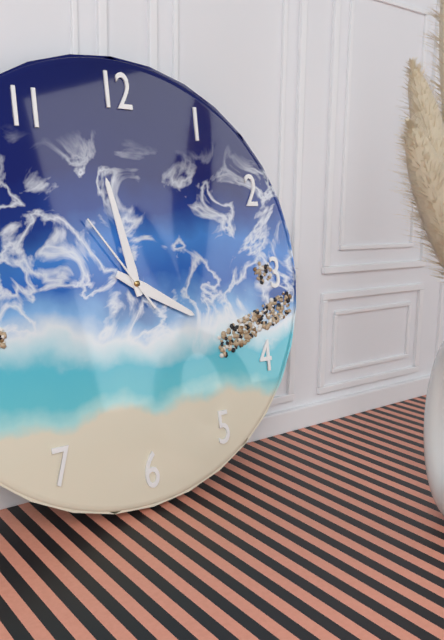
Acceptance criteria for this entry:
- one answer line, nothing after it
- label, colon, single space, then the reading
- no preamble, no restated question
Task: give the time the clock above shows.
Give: 3:58:54
